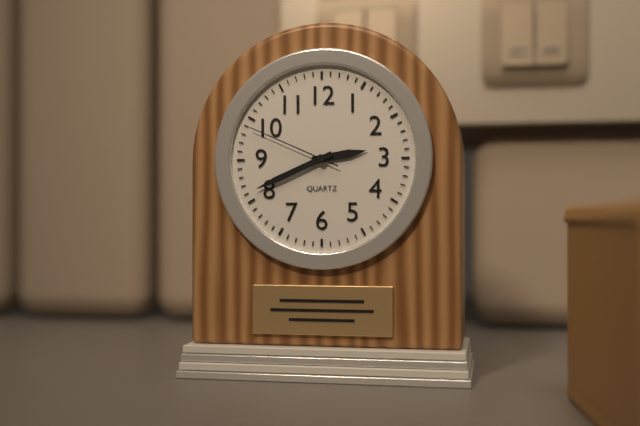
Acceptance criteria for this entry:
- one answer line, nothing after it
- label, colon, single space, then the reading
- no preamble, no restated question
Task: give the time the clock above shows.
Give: 2:41:49
